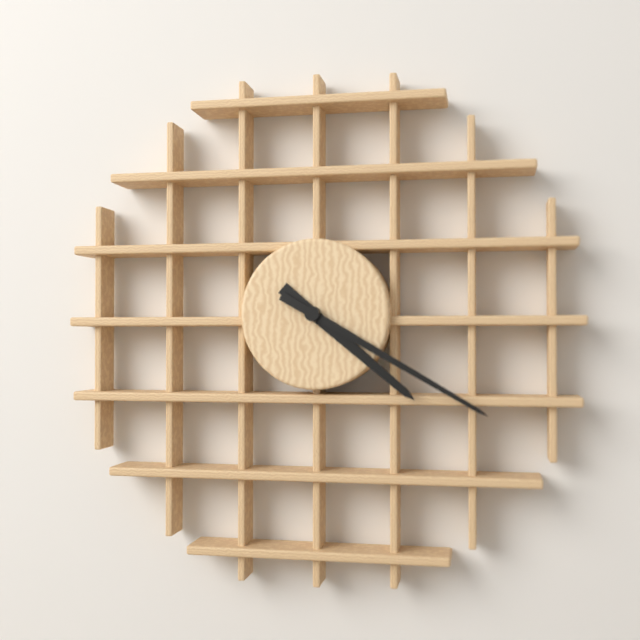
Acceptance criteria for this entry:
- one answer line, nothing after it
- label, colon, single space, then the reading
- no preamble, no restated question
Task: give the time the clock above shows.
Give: 4:20
